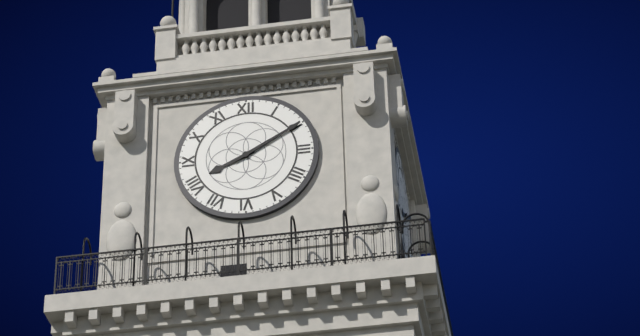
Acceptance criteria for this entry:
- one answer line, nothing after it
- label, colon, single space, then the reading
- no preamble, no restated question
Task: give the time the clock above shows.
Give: 8:10
